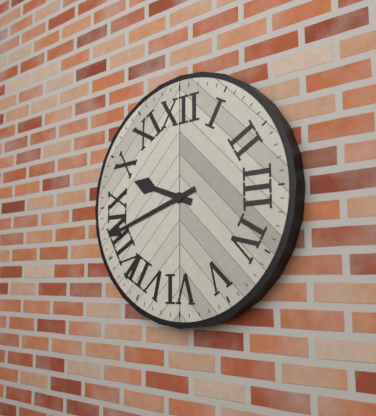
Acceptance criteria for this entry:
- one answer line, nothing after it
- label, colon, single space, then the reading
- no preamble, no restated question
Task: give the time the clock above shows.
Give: 9:42
